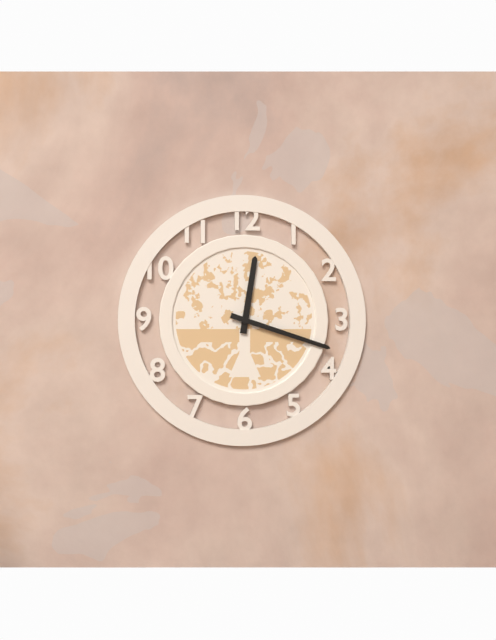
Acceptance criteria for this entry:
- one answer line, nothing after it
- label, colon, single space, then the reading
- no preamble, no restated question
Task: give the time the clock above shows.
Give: 12:18
